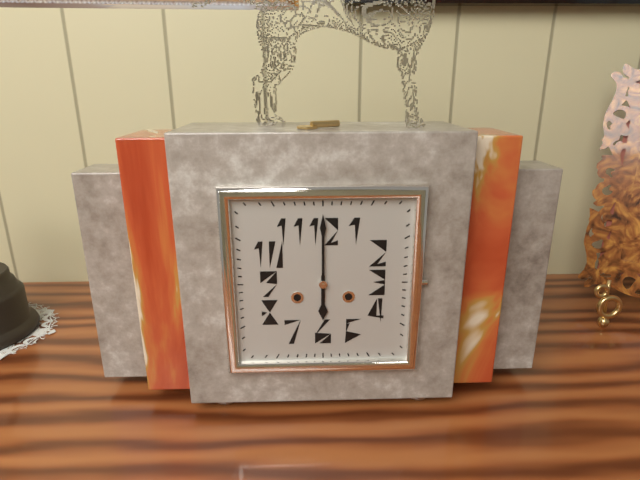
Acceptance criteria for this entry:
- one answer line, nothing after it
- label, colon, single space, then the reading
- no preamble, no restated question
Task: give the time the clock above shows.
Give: 6:00
